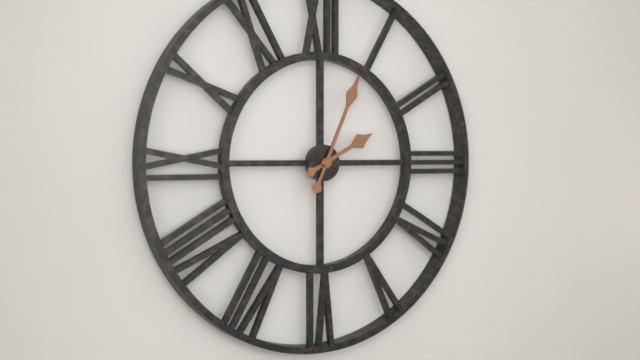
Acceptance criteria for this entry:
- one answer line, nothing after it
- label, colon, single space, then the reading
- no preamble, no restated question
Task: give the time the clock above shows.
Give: 2:04
